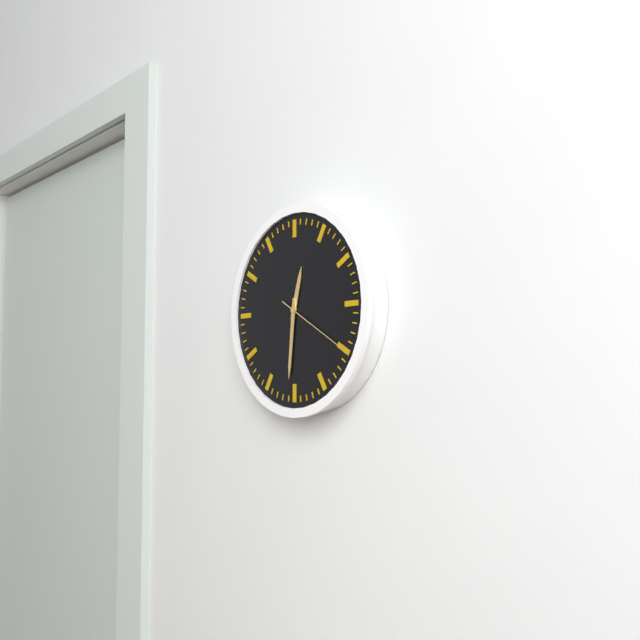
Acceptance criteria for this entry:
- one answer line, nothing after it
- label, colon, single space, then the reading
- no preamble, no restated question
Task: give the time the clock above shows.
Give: 12:31:20
